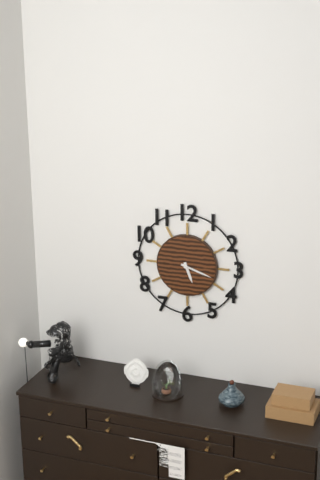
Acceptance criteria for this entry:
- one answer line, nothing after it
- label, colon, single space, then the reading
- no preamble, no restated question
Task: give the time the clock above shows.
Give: 5:18
